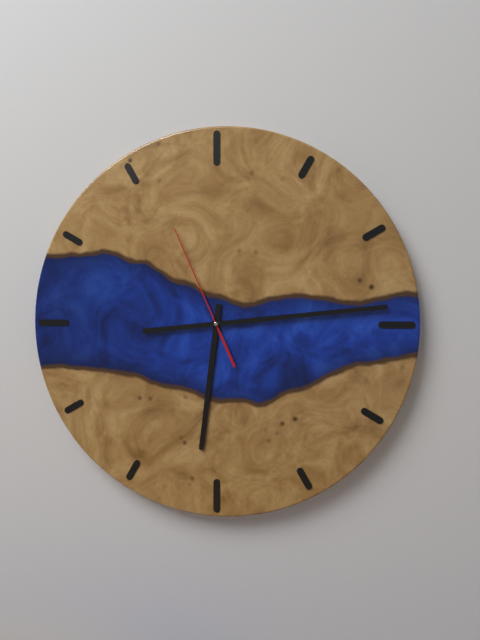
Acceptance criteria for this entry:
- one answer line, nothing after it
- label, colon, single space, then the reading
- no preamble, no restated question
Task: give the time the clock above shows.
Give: 6:14:56
